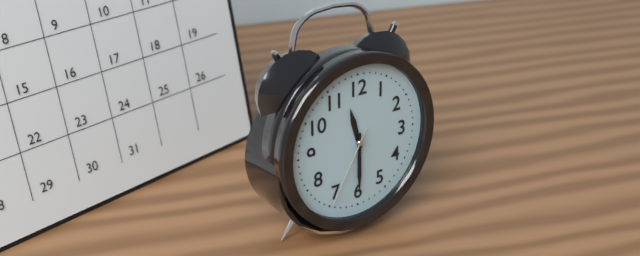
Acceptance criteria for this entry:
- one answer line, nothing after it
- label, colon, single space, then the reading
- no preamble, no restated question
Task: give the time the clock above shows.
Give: 11:30:35
